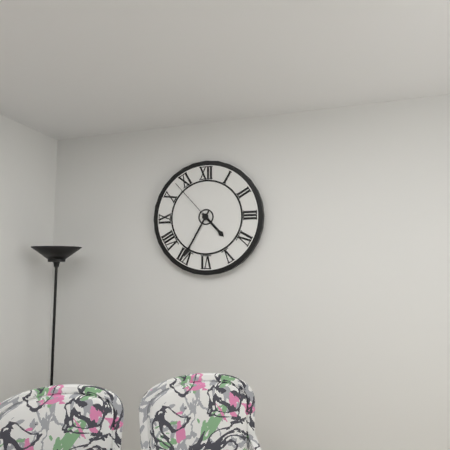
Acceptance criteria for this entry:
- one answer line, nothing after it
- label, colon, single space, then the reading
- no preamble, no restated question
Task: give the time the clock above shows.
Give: 4:35:53
